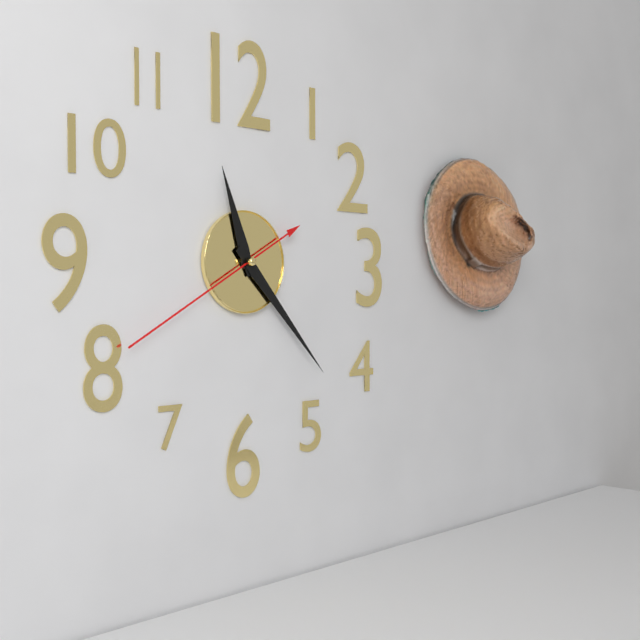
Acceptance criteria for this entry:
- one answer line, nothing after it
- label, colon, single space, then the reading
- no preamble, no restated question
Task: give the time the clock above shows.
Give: 11:23:40
